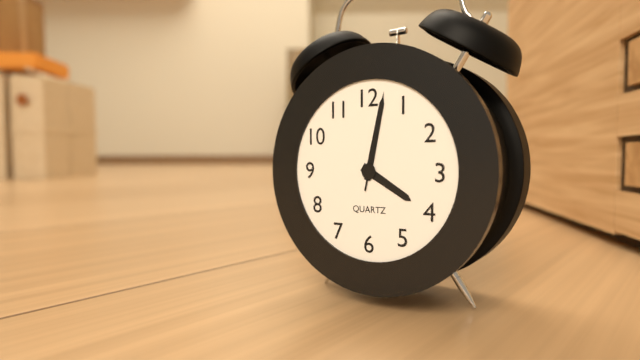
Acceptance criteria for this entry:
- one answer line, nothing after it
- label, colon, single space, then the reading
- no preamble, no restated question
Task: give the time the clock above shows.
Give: 4:02:02
